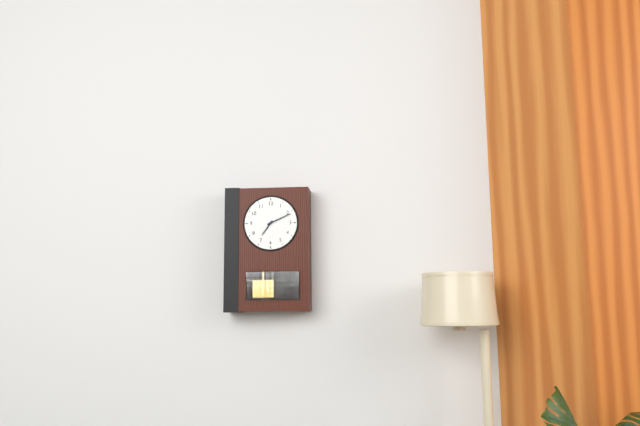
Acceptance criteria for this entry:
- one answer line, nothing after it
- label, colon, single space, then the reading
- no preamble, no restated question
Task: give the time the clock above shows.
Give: 7:11
